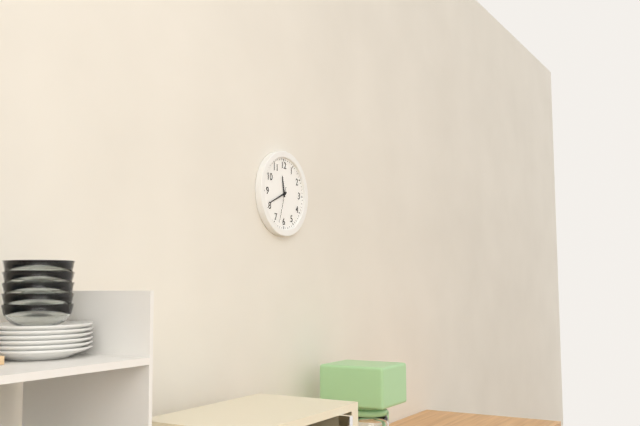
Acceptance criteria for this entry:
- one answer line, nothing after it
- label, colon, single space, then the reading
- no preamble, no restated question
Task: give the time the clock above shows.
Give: 11:41
